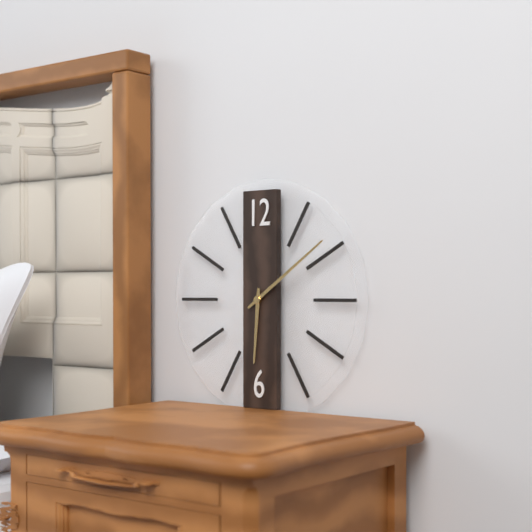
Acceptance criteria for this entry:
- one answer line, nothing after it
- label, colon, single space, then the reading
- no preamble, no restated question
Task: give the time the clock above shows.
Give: 6:09
